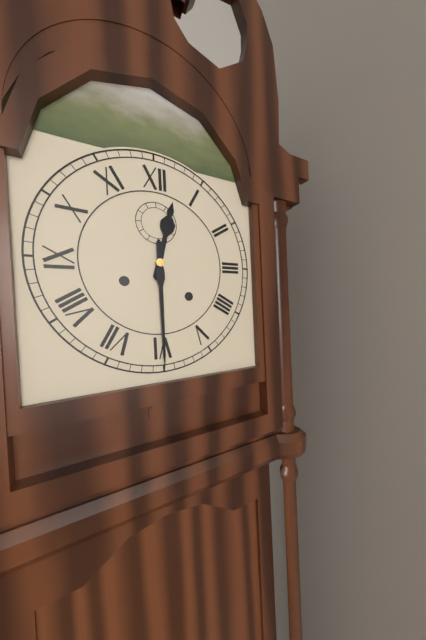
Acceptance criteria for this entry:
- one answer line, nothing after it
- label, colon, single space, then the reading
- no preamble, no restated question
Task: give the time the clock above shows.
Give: 12:30
